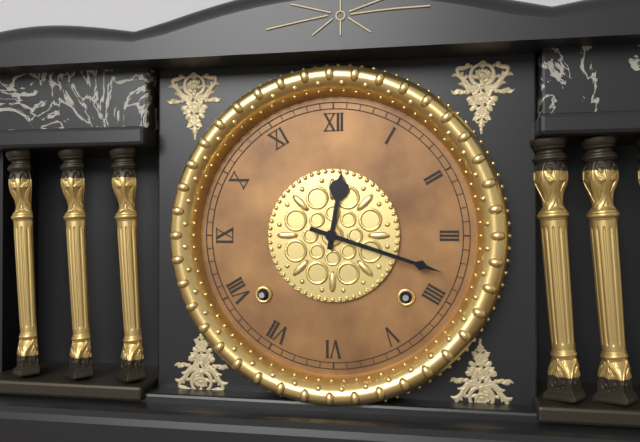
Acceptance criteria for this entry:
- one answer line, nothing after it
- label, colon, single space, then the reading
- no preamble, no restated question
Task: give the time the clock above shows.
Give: 12:18
